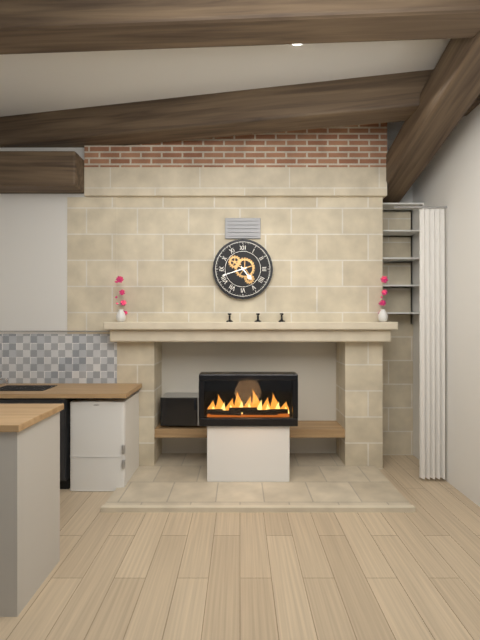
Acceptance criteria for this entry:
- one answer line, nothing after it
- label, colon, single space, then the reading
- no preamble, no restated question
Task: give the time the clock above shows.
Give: 4:42
